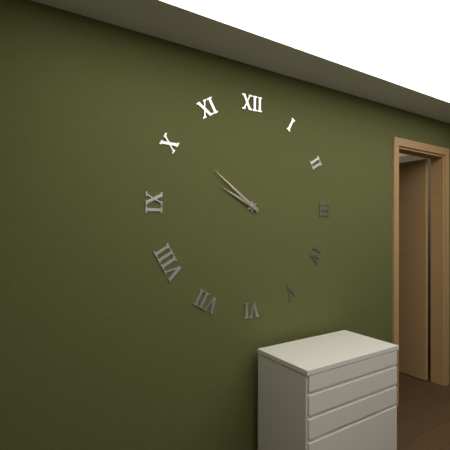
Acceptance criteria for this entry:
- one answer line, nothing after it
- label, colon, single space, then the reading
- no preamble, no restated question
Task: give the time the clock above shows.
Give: 9:51
